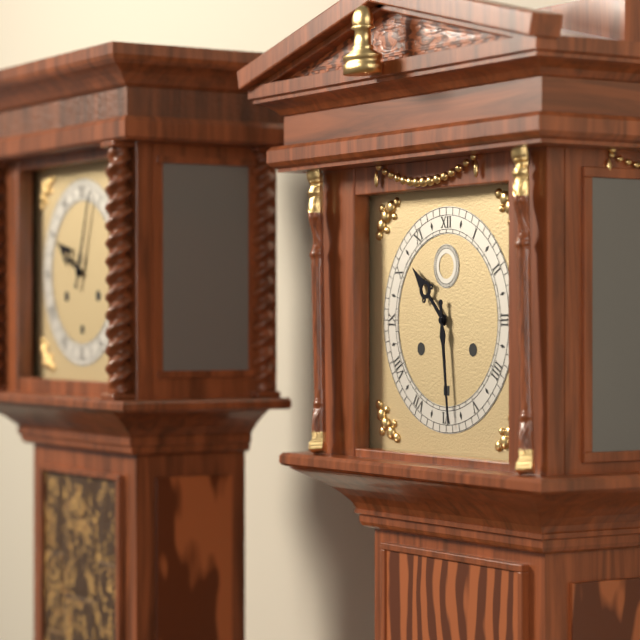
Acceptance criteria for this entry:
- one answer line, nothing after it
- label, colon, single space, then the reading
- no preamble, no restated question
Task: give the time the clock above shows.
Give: 10:29
